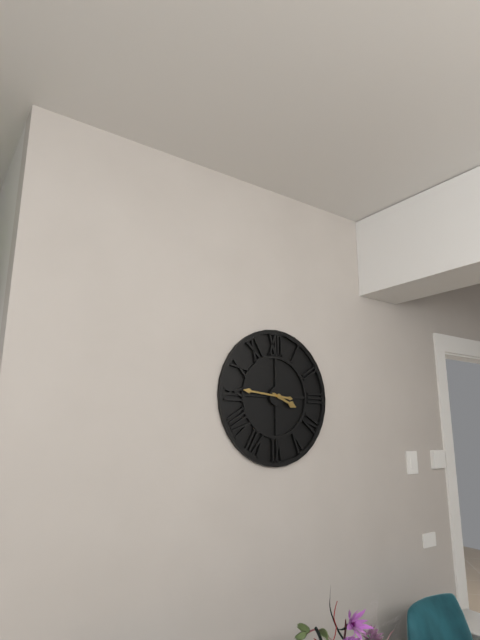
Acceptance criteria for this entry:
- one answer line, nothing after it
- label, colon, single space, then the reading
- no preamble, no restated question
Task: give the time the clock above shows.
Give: 3:46
